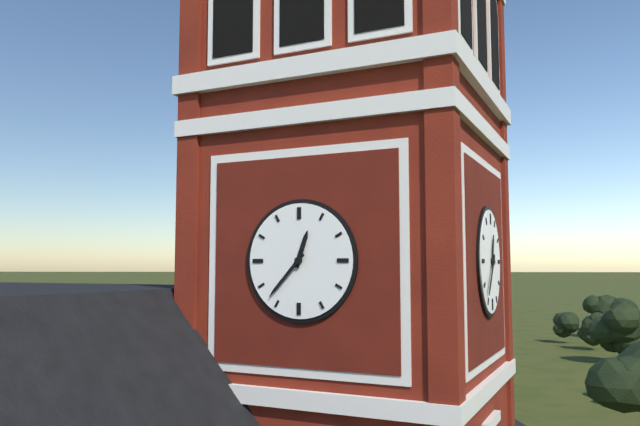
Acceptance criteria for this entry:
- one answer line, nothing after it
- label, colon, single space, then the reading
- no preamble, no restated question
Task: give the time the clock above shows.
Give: 12:37
